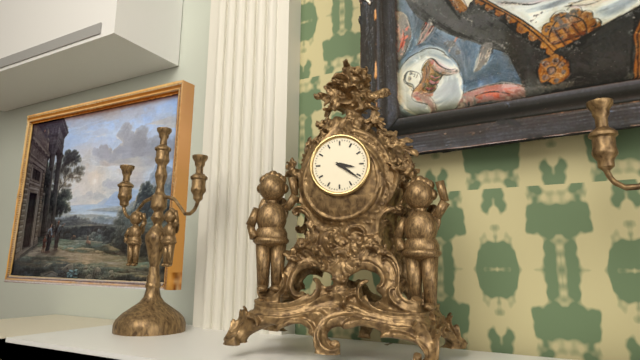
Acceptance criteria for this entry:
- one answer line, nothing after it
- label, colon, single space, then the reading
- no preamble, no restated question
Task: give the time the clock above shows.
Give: 3:21
